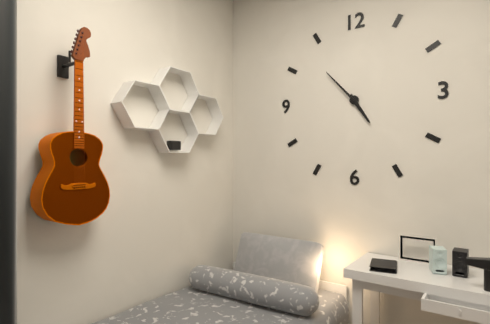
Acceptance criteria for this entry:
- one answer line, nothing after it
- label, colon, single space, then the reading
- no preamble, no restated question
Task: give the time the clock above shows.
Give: 4:53
